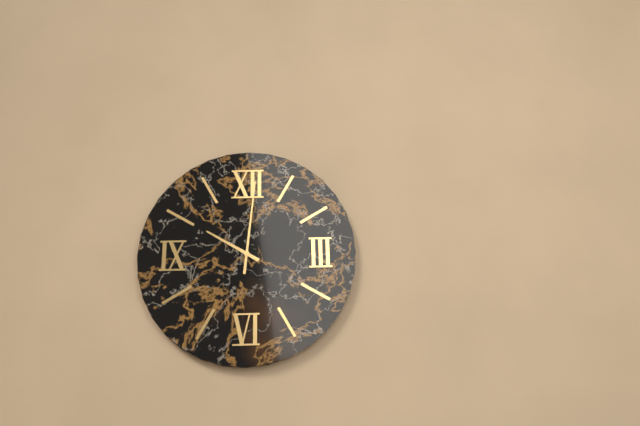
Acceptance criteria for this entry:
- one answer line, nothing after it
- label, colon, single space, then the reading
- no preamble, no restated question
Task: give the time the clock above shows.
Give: 10:01
